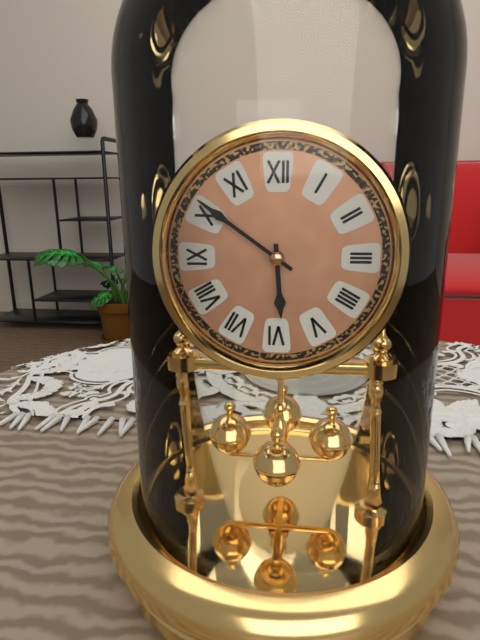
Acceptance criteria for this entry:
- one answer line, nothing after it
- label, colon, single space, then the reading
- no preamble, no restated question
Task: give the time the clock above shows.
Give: 5:51
